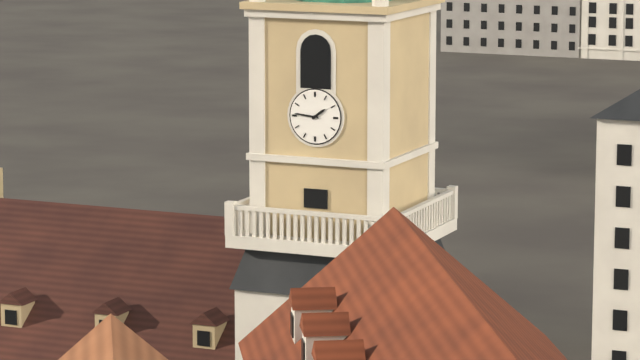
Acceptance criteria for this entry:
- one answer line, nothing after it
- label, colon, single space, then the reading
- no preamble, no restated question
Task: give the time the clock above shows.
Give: 1:46
